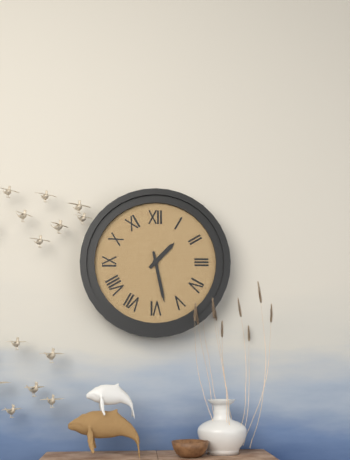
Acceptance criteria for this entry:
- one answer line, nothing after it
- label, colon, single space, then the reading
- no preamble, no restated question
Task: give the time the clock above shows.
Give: 1:28
